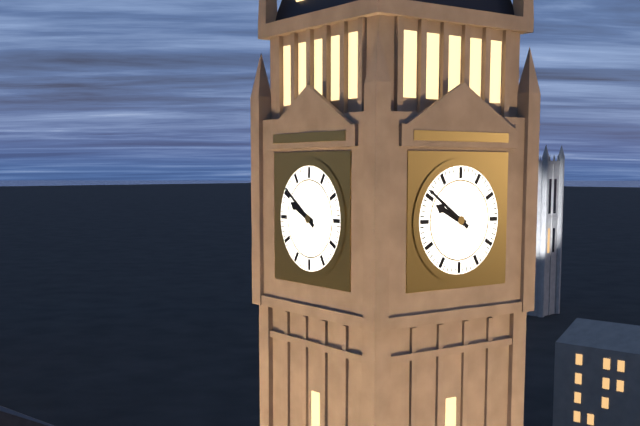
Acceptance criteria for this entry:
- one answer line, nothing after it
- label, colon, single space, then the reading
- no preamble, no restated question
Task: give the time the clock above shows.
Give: 9:51
